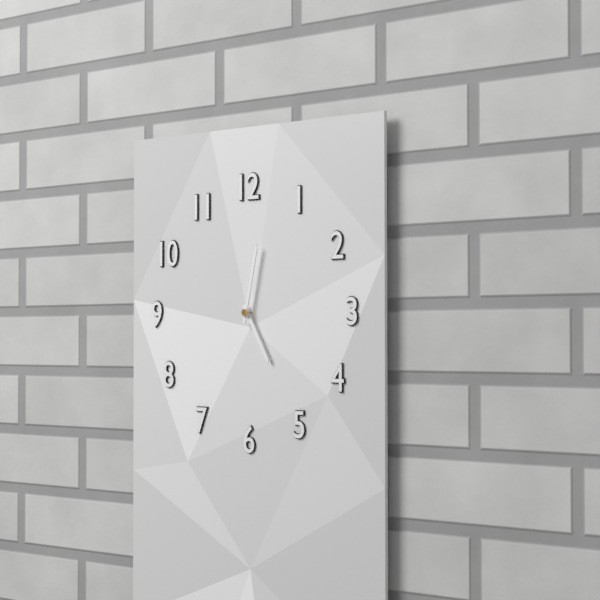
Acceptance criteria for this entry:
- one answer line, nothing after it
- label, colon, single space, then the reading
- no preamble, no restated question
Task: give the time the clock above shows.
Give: 5:02
